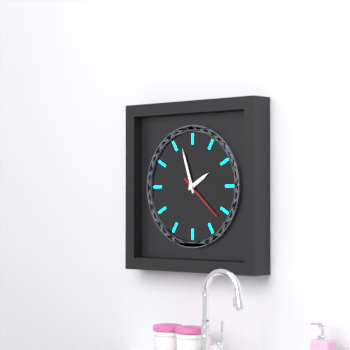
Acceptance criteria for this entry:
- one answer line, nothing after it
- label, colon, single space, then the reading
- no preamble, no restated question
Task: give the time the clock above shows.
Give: 1:57
